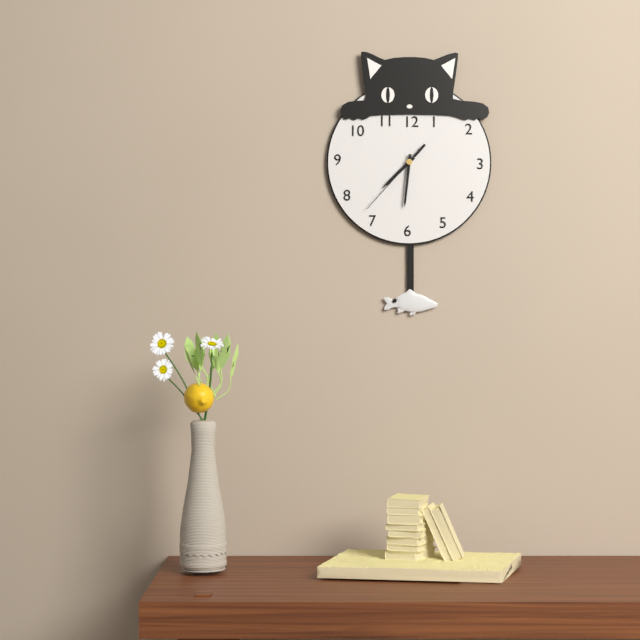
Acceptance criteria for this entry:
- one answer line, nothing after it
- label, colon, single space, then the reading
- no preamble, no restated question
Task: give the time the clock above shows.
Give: 7:31:37
